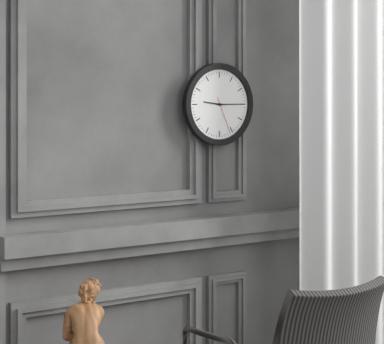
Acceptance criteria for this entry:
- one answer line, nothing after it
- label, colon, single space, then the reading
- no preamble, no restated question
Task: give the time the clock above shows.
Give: 9:15
